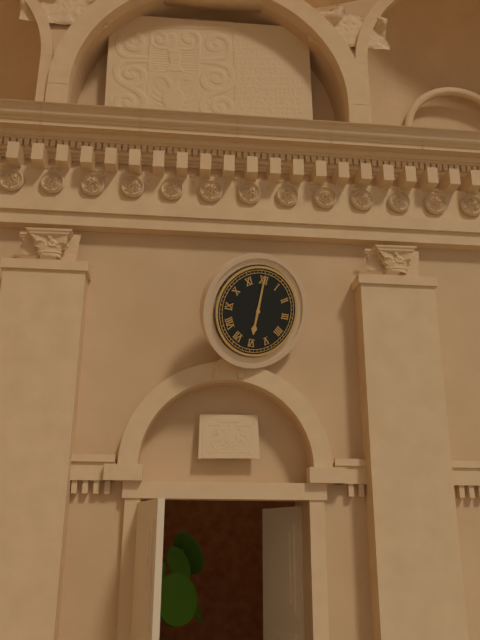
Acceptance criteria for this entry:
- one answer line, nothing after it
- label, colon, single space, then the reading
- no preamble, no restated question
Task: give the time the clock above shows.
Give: 6:00
